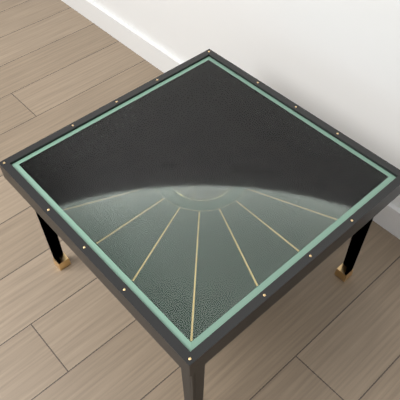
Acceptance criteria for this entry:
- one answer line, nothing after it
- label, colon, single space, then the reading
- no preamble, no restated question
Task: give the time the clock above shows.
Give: 8:28
